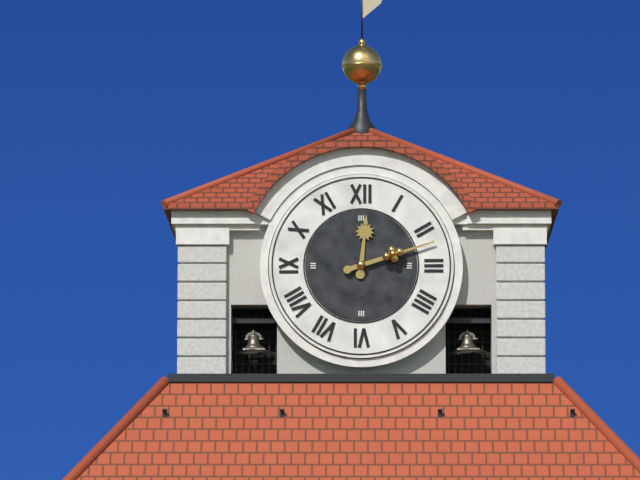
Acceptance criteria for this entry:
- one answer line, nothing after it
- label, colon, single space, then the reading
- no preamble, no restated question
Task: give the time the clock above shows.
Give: 12:12
